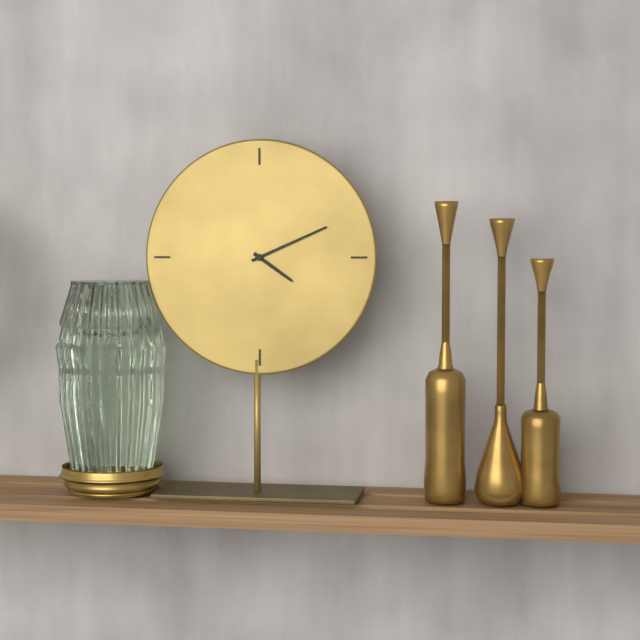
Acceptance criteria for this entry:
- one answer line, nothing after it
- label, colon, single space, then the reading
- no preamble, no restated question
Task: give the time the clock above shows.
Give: 4:11
